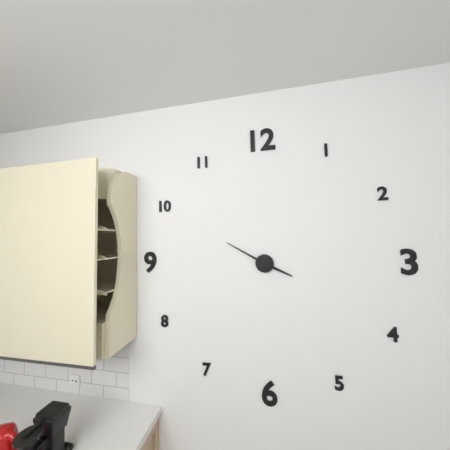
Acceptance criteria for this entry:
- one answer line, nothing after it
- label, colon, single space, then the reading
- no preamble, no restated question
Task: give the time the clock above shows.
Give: 3:50
